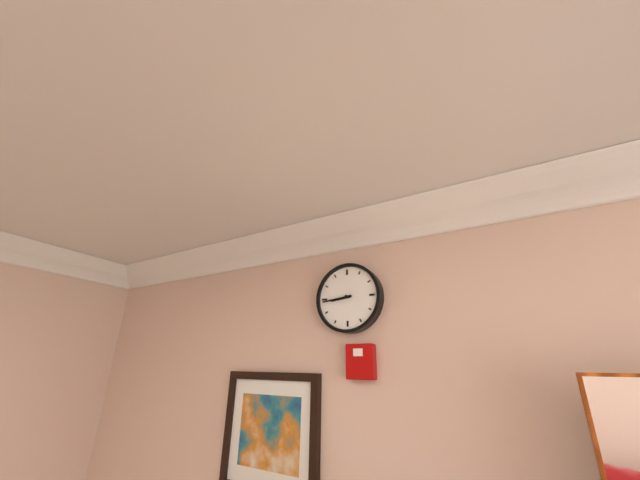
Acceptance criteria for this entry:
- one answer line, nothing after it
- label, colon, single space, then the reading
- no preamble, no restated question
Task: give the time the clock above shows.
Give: 8:44
